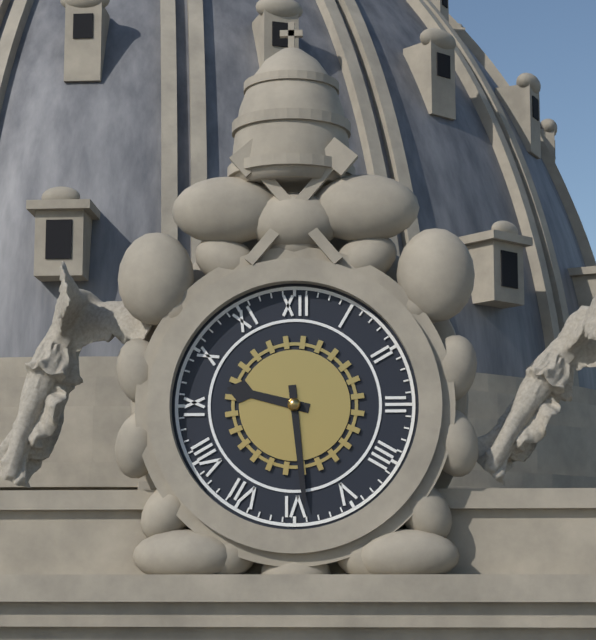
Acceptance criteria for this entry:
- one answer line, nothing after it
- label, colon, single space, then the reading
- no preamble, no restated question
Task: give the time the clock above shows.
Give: 9:29
